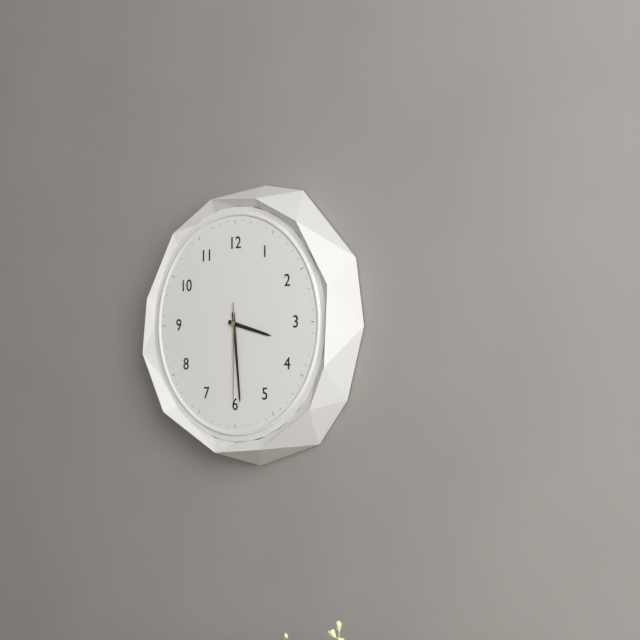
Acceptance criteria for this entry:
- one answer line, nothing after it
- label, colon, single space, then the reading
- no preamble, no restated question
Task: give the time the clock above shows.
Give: 3:29:30
